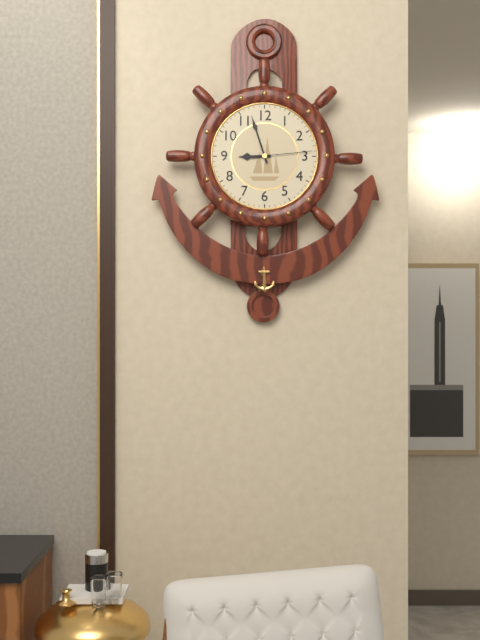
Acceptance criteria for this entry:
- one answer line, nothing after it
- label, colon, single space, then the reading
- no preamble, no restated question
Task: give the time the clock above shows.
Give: 8:57:14
